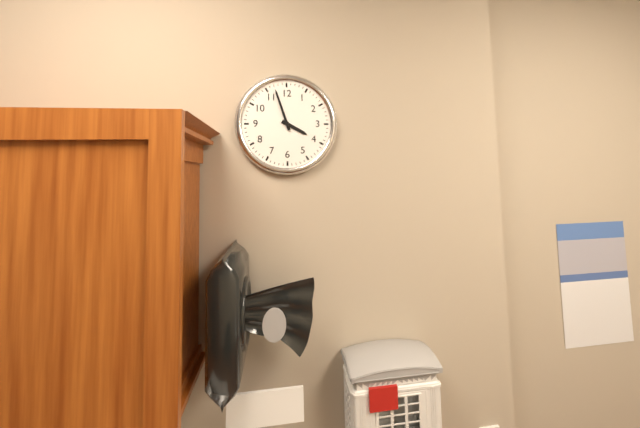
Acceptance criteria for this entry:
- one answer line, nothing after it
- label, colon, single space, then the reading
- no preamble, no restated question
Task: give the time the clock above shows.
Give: 3:57
